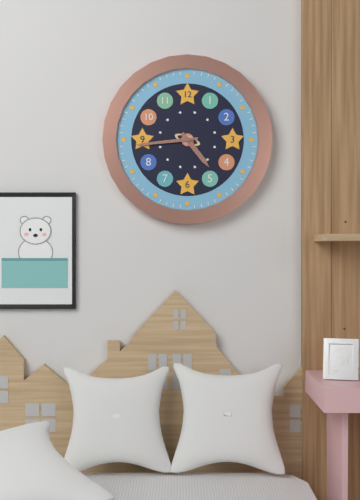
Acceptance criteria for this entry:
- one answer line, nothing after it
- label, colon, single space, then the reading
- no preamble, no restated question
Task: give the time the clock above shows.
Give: 4:44
